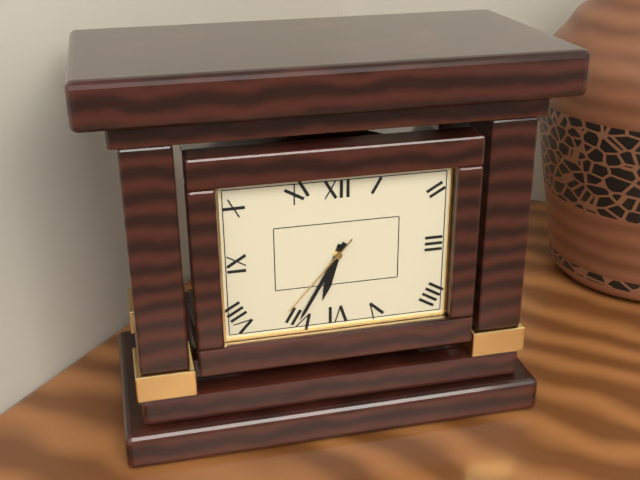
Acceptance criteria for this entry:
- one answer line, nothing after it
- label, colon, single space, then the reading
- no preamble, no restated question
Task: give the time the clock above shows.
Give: 6:35:37
